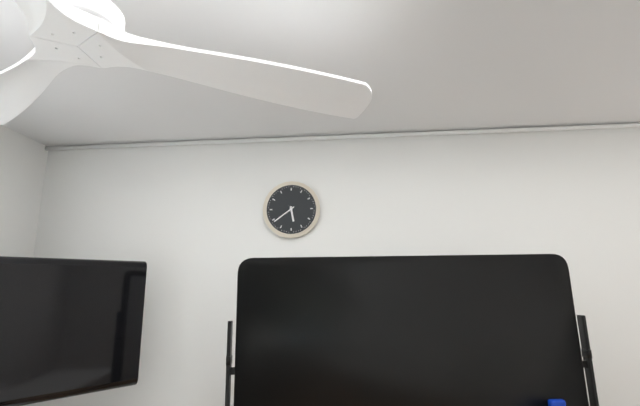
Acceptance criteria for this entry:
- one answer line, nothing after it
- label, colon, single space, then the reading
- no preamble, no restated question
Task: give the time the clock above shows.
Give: 5:39
